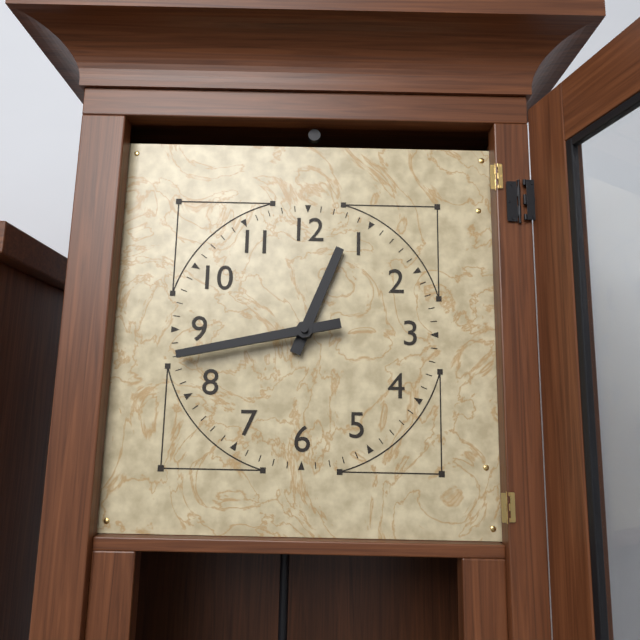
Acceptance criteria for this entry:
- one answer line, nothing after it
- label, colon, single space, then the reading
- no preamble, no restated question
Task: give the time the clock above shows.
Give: 12:43
